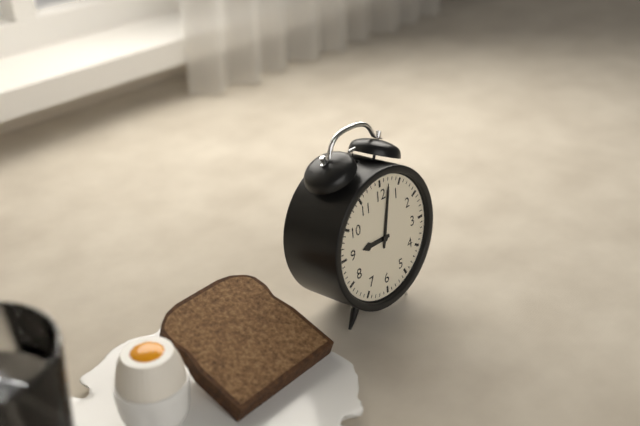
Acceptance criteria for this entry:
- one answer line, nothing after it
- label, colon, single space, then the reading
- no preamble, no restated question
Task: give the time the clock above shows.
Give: 9:02
